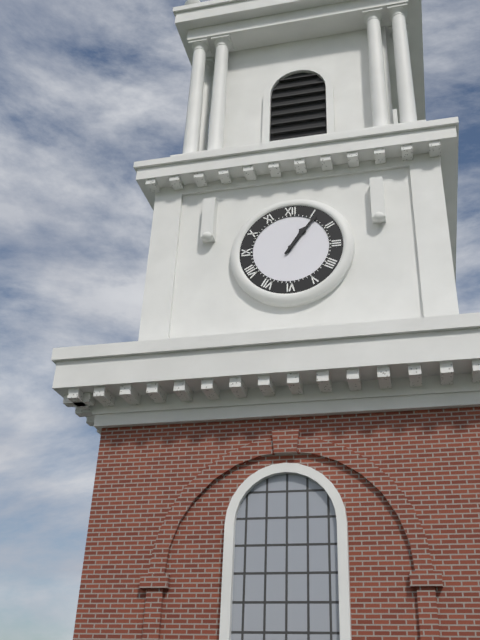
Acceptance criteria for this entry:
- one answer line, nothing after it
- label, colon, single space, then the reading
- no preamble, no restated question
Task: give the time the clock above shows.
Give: 1:06
